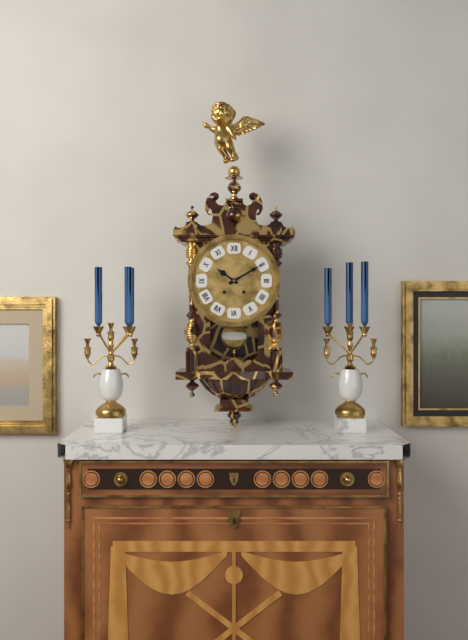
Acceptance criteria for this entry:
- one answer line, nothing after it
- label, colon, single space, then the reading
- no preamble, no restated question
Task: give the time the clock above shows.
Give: 10:10
